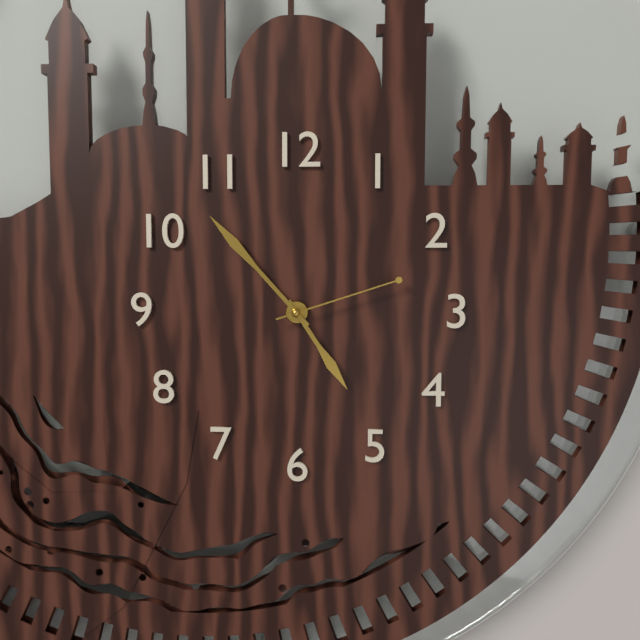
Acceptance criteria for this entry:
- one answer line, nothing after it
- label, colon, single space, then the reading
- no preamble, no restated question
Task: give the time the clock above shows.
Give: 4:53:12
